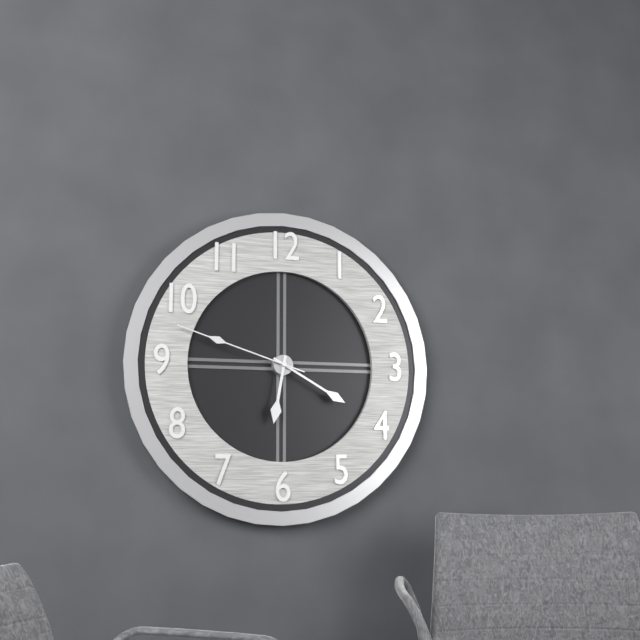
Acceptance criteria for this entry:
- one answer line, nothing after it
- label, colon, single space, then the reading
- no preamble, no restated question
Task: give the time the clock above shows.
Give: 6:20:48
